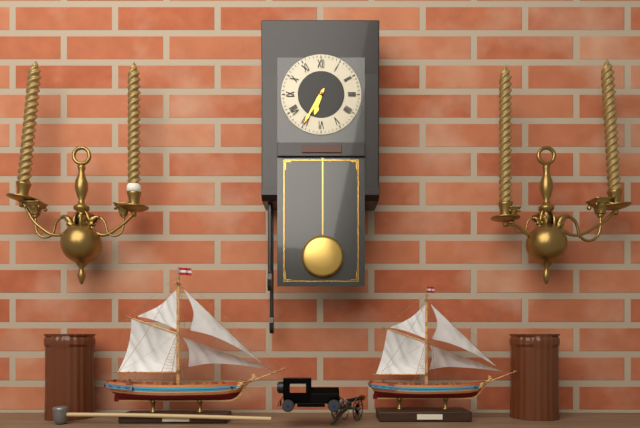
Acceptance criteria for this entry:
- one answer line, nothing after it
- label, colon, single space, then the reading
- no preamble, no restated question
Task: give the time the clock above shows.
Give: 6:35
